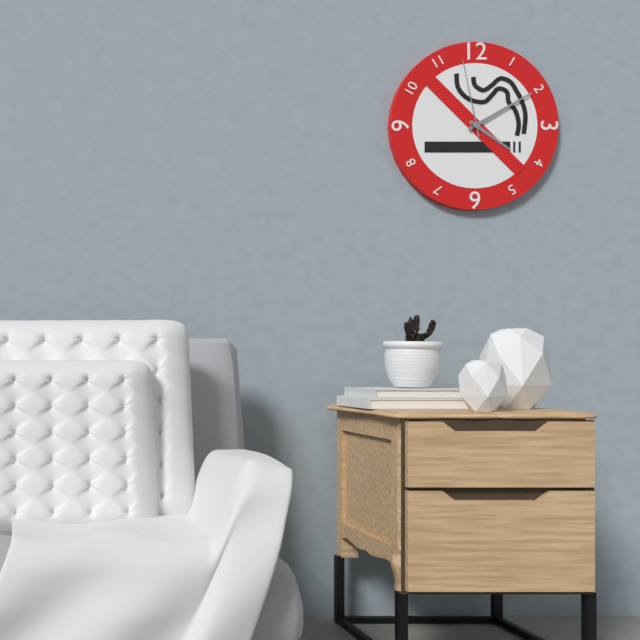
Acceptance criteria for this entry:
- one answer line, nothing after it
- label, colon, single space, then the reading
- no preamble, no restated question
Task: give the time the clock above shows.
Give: 4:10:58
